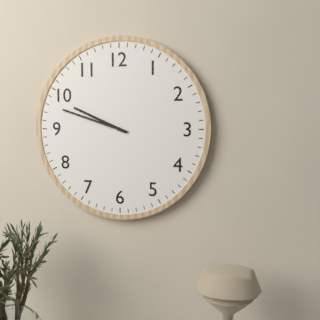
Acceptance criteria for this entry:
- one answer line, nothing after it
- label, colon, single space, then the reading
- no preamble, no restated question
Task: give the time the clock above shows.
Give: 9:48
